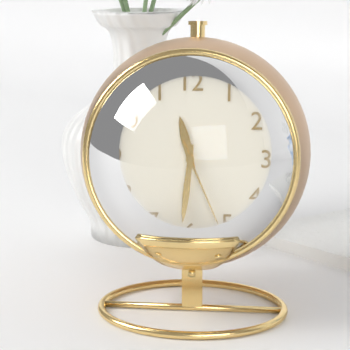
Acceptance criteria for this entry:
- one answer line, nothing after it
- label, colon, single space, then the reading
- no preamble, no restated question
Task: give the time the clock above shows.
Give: 11:31:26
